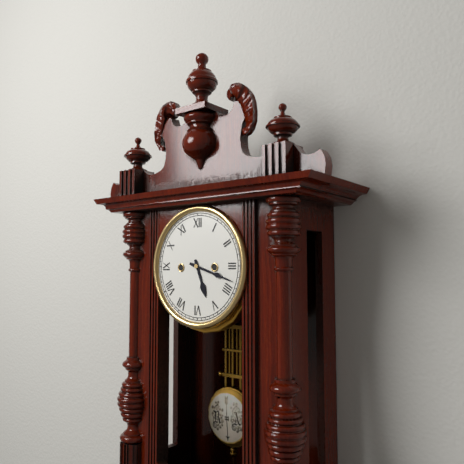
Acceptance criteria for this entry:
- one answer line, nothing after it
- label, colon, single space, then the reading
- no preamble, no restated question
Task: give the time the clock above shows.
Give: 5:18
